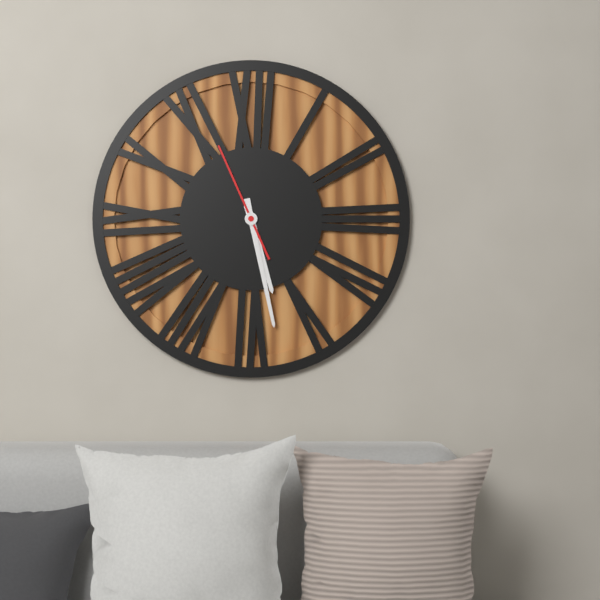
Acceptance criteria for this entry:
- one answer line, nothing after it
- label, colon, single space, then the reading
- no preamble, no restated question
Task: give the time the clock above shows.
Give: 5:28:56
